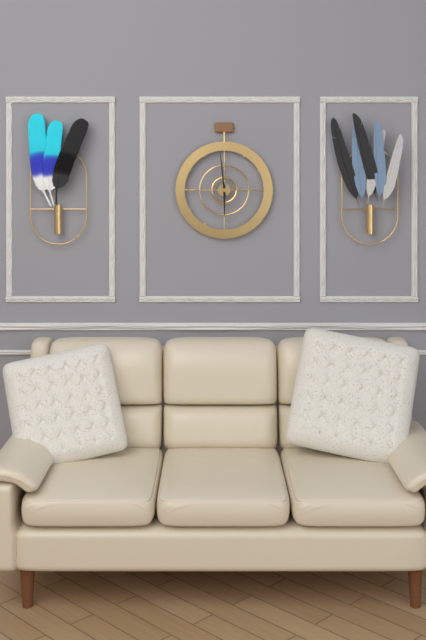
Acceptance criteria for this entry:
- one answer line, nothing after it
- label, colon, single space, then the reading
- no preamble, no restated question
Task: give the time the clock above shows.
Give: 5:59
